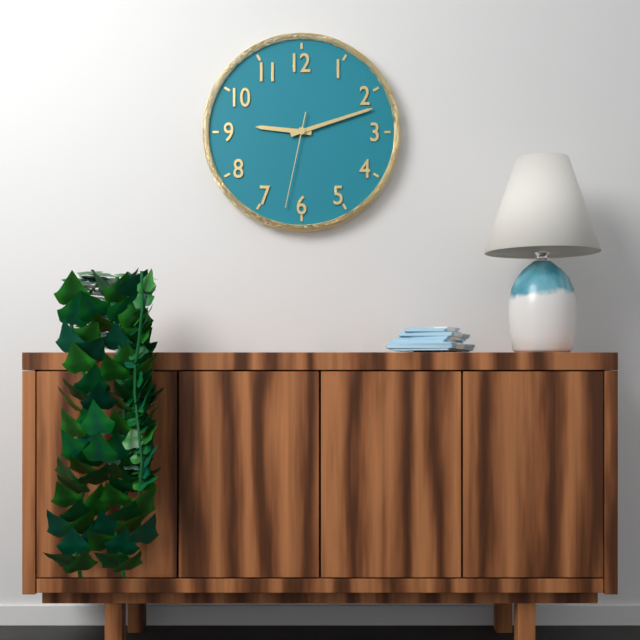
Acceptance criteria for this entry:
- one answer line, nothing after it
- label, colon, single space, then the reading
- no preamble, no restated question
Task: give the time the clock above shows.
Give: 9:12:32
